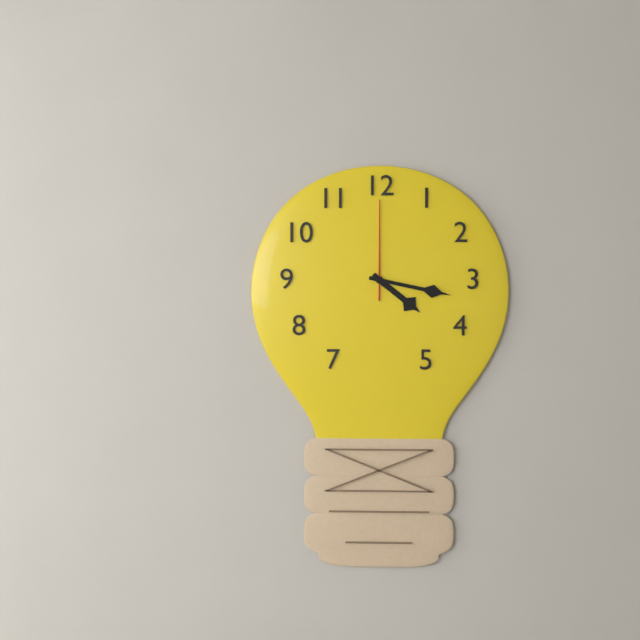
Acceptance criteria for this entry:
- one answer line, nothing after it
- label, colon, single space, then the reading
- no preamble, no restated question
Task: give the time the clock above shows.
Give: 4:17:00
